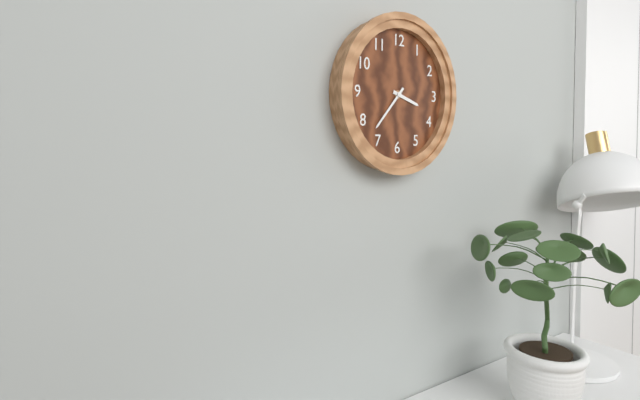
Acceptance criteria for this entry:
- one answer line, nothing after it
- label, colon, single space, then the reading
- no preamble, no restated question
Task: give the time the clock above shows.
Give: 3:37
